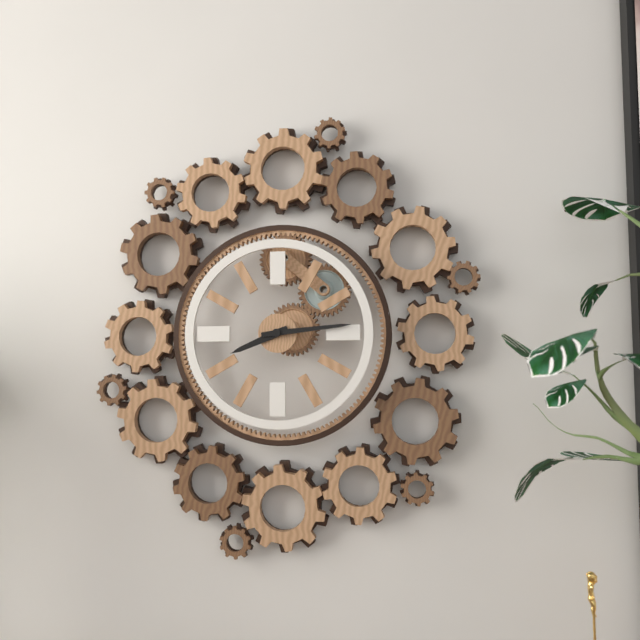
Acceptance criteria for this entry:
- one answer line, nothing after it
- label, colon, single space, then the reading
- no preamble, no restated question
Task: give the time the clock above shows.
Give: 8:14
